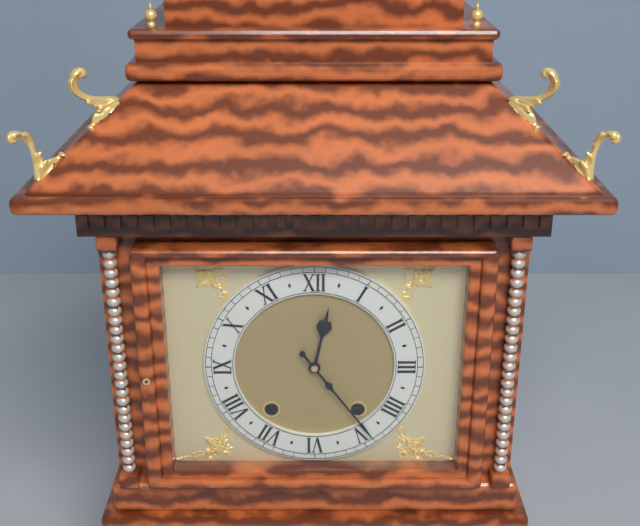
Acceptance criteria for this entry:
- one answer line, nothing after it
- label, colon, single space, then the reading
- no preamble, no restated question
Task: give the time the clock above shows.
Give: 12:24
